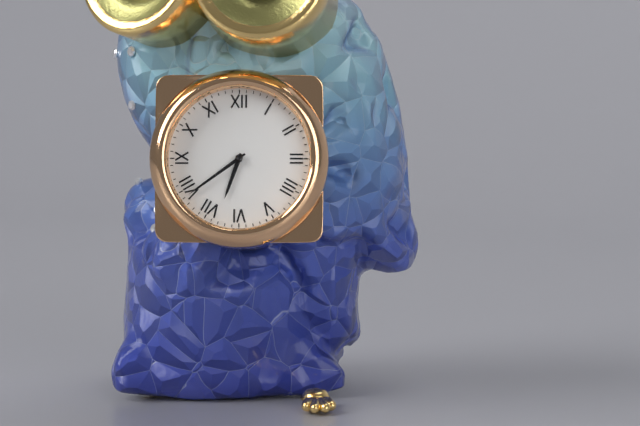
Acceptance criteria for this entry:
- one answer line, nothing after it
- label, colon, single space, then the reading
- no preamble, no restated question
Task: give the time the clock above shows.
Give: 6:39
